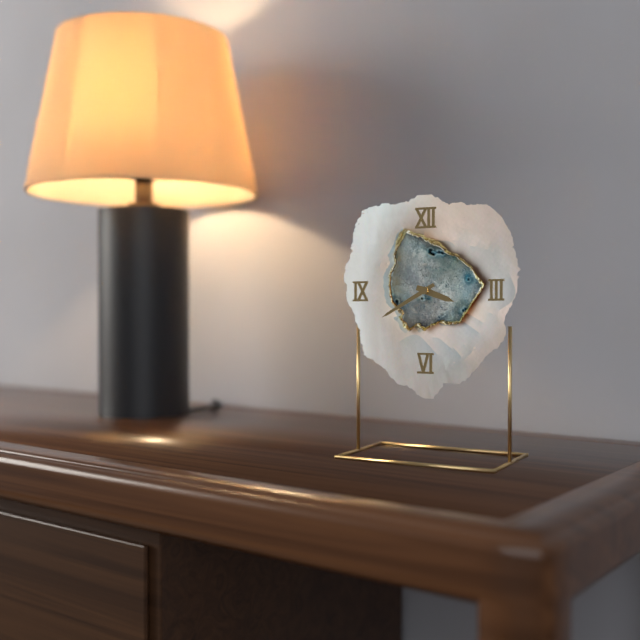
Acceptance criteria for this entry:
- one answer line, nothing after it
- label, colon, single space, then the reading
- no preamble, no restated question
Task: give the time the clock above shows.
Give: 3:40
